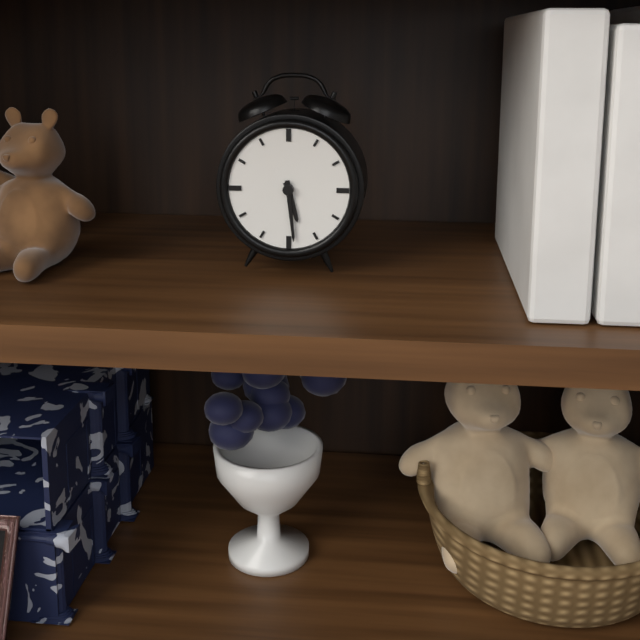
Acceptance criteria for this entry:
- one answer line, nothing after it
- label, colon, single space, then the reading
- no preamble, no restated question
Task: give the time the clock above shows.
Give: 5:29
